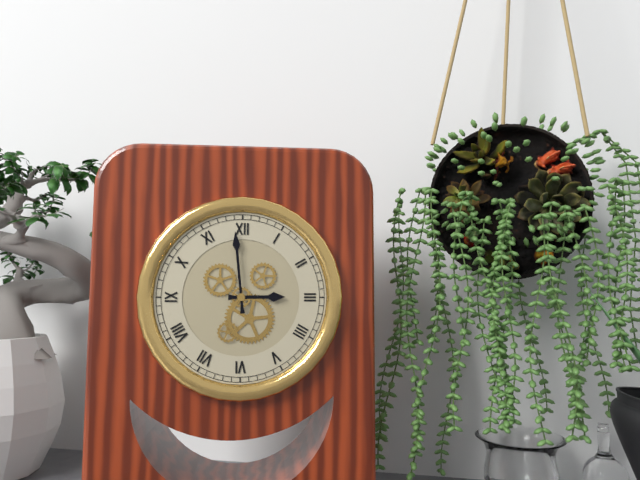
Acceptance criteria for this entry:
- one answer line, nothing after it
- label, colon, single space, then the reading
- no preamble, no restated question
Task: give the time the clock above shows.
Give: 2:59
